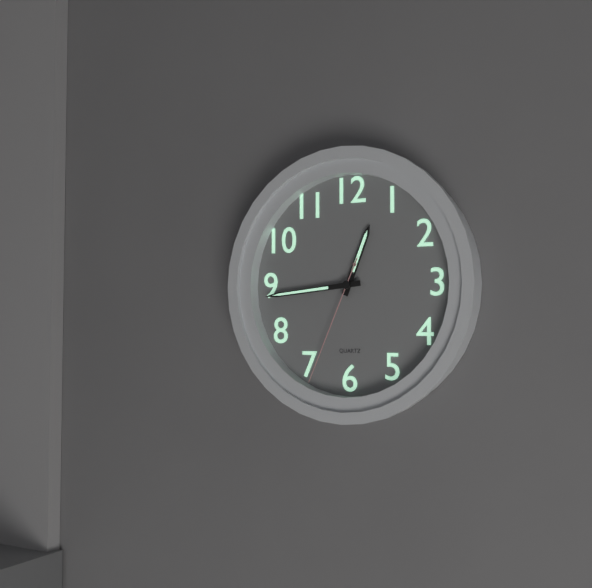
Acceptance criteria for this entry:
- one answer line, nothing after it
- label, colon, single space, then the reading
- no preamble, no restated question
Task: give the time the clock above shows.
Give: 12:44:34
